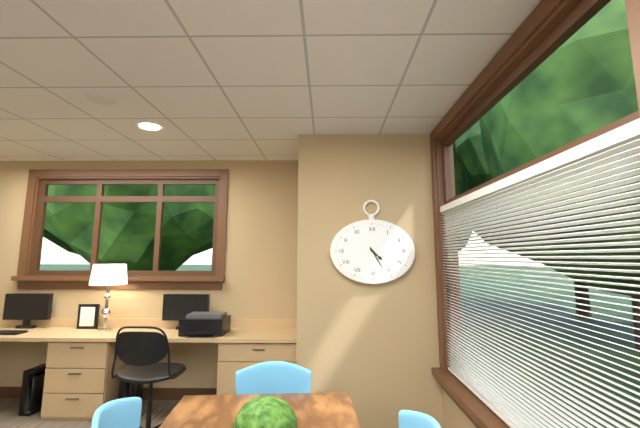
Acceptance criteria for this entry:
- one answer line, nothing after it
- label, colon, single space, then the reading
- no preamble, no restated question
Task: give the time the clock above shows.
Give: 4:25
